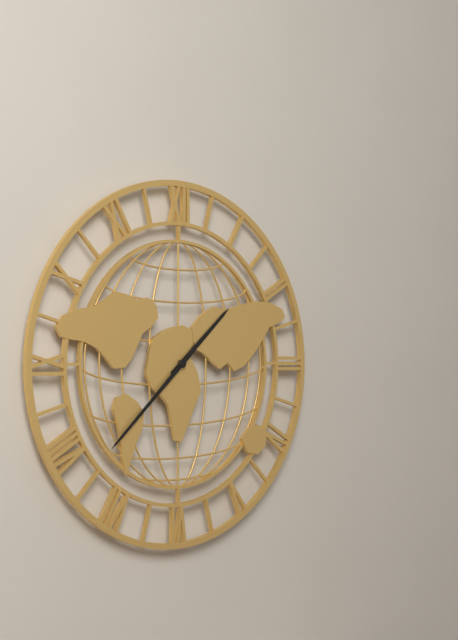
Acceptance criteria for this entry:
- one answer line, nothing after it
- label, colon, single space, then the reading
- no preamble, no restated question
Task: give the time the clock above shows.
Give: 1:38
